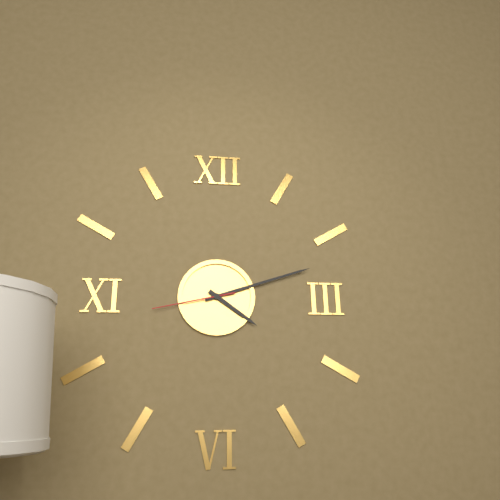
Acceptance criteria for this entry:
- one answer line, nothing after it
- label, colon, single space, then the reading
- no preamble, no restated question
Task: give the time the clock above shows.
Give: 4:12:43
